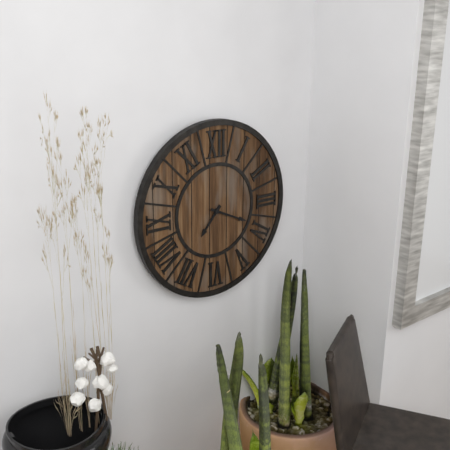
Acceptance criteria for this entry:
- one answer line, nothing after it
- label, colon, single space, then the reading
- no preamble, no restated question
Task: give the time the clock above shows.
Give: 7:19
